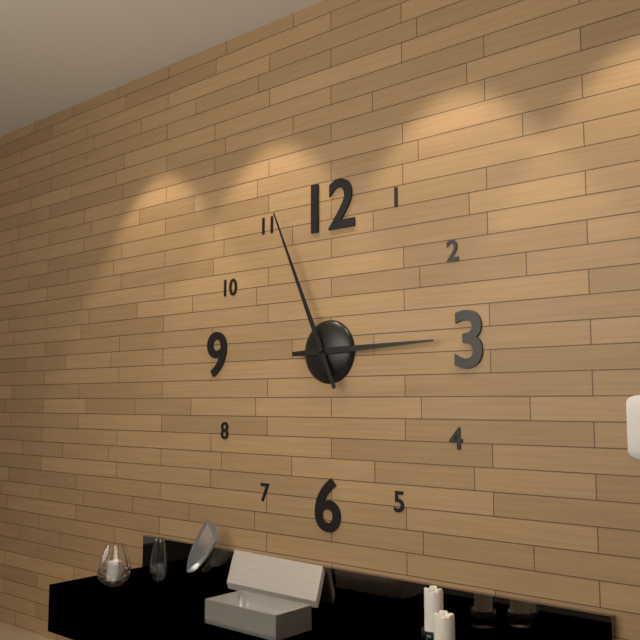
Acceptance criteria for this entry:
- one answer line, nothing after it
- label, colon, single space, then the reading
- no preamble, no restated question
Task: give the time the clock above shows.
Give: 2:56
